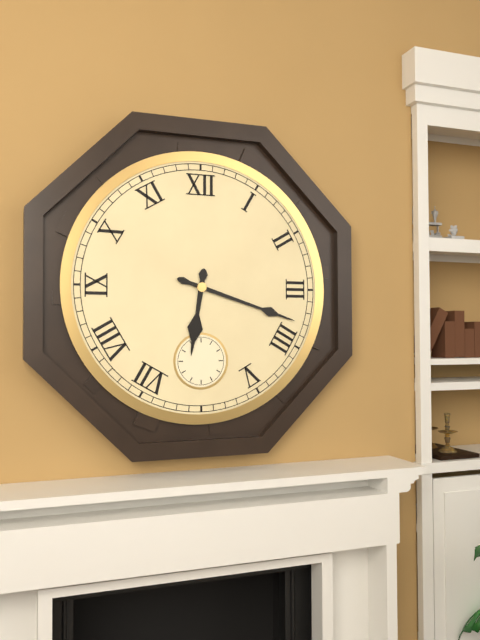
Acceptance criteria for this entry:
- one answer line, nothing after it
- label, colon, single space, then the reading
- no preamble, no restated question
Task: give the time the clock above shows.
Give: 6:18
